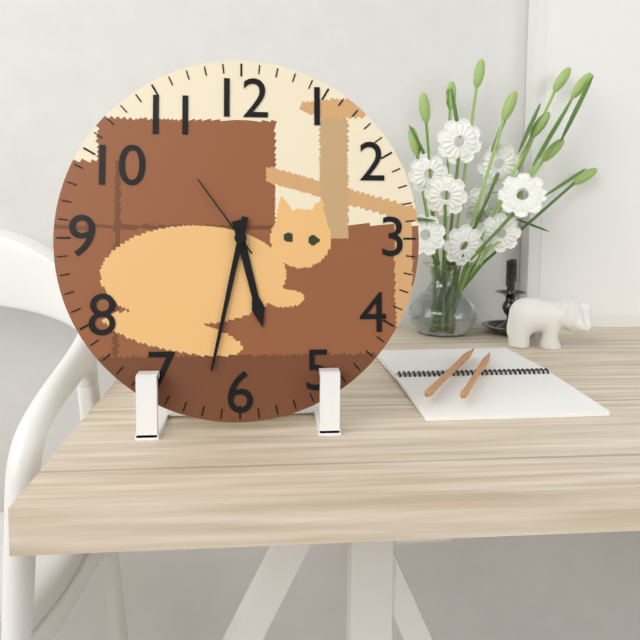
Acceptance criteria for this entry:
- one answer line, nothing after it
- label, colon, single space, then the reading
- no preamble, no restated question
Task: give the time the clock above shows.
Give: 5:32:54
